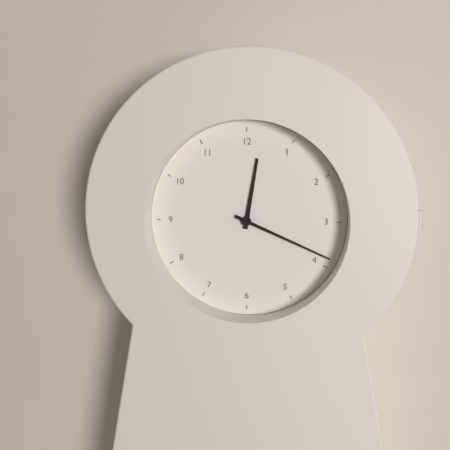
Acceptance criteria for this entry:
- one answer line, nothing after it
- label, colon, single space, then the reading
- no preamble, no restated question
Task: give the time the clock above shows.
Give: 12:19
